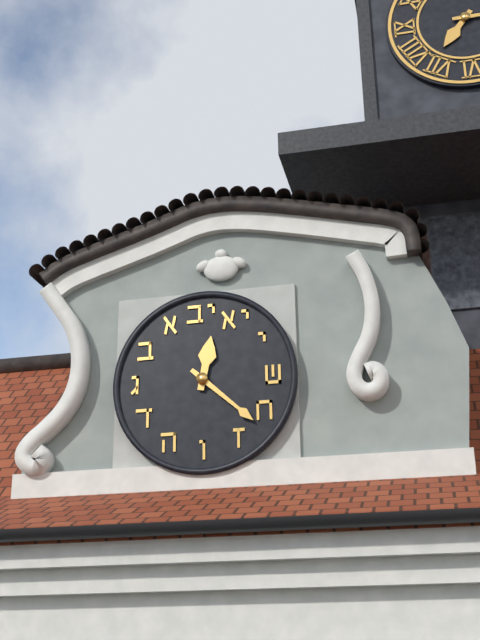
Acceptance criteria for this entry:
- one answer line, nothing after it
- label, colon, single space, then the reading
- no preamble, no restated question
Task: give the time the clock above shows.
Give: 12:22
